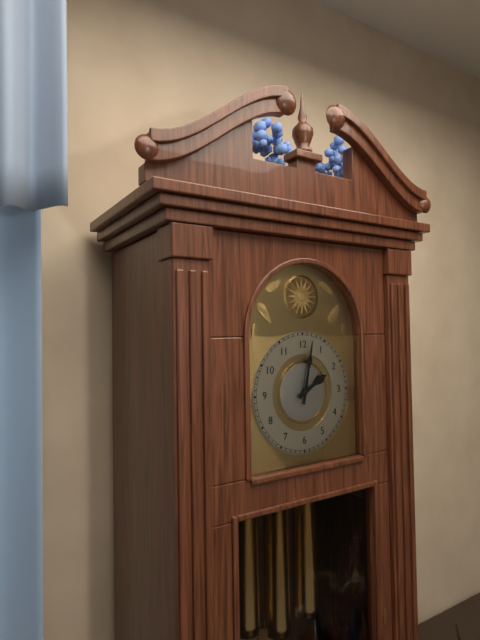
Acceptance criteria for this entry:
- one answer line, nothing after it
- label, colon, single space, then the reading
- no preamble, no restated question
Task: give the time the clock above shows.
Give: 2:02
